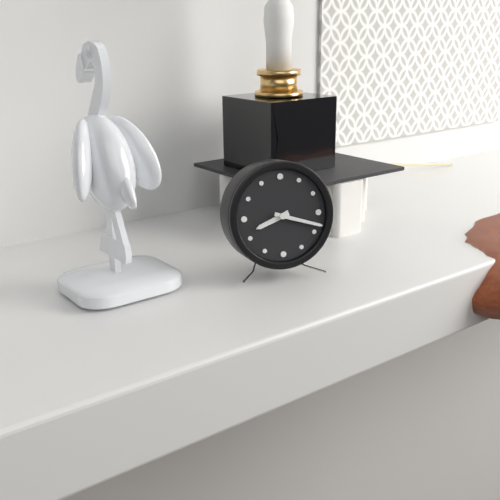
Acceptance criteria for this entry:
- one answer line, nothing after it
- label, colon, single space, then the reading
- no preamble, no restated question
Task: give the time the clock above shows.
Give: 8:18
